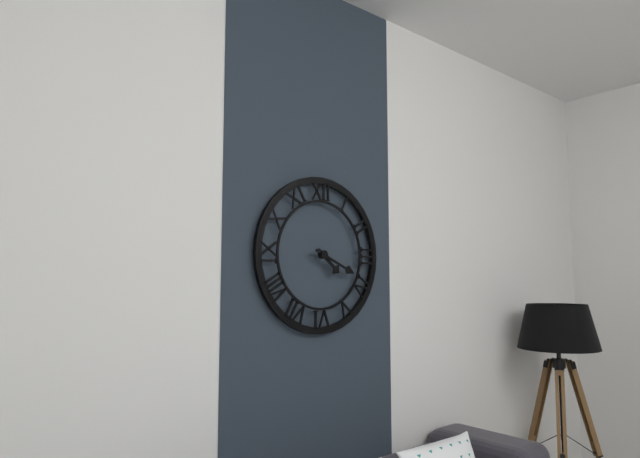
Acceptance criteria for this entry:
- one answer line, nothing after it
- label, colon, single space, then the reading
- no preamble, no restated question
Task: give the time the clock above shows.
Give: 4:19
